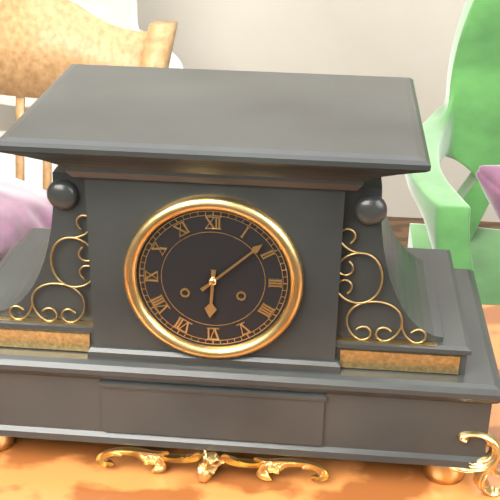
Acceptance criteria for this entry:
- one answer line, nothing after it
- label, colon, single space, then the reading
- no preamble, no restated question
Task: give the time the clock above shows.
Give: 6:08
